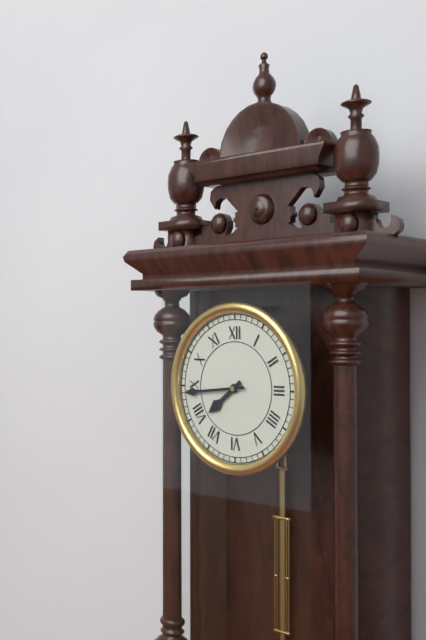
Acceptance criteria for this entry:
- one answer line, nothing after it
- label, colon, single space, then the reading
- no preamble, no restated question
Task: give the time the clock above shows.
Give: 7:44
